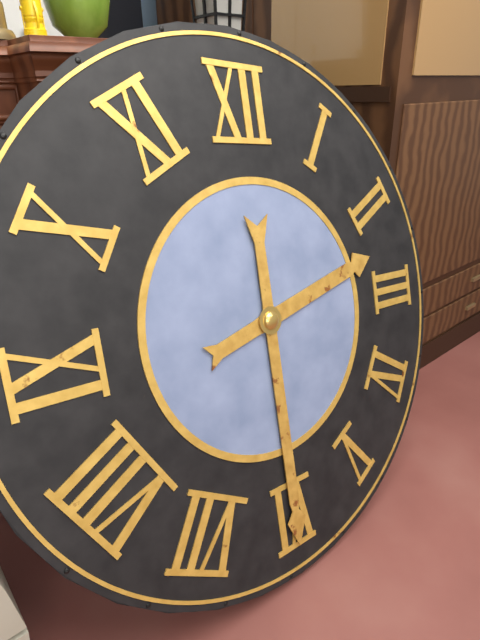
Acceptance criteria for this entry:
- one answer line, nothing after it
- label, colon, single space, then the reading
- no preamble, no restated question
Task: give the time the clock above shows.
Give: 2:30
